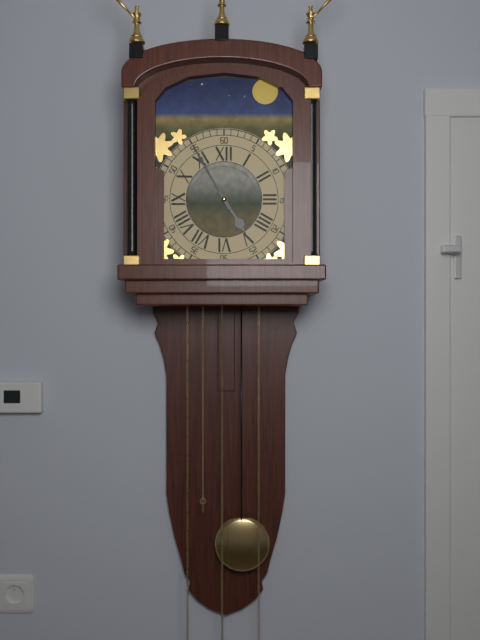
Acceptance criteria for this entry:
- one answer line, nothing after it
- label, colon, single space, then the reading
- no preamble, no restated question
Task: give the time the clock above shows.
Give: 4:55
